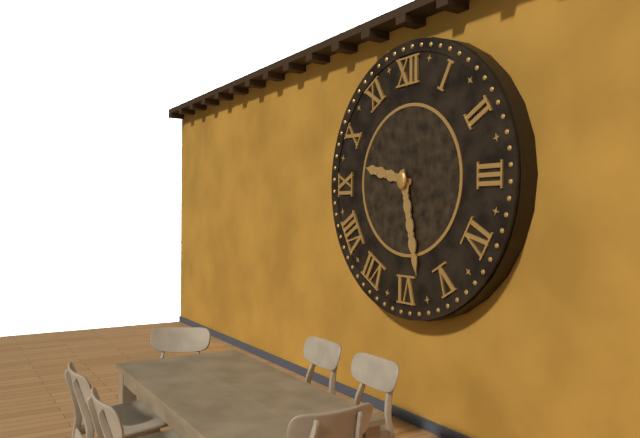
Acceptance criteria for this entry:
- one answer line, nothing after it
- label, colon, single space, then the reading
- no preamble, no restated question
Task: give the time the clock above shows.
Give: 9:28
